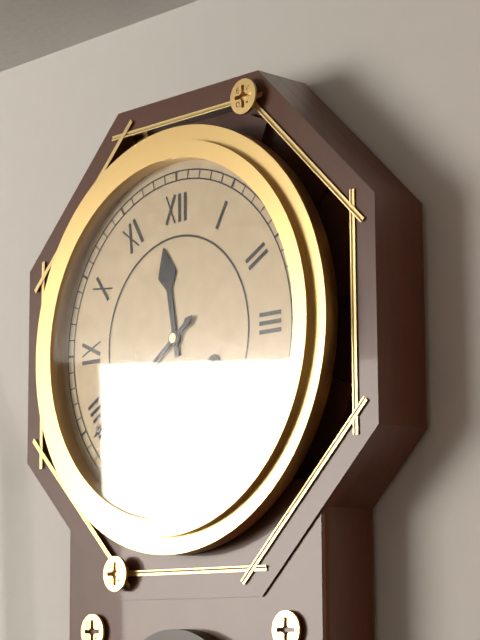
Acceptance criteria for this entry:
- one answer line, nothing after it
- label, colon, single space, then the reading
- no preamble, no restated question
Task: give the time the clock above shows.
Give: 11:39
